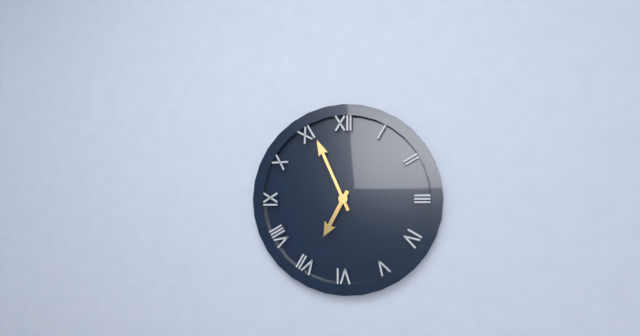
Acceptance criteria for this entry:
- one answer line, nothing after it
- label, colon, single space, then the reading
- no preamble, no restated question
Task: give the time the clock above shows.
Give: 6:56
